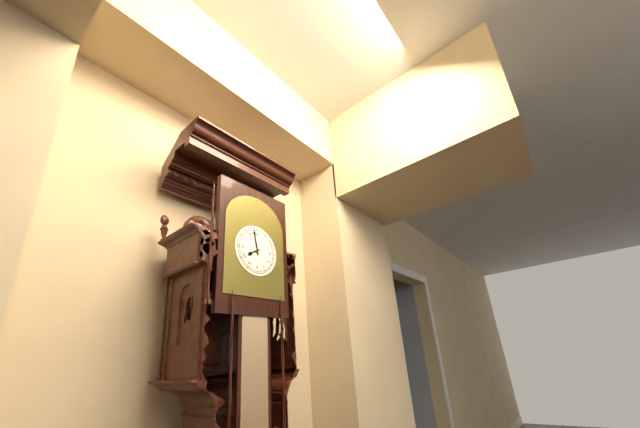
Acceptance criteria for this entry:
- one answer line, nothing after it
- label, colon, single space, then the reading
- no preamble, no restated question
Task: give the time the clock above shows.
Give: 7:58
